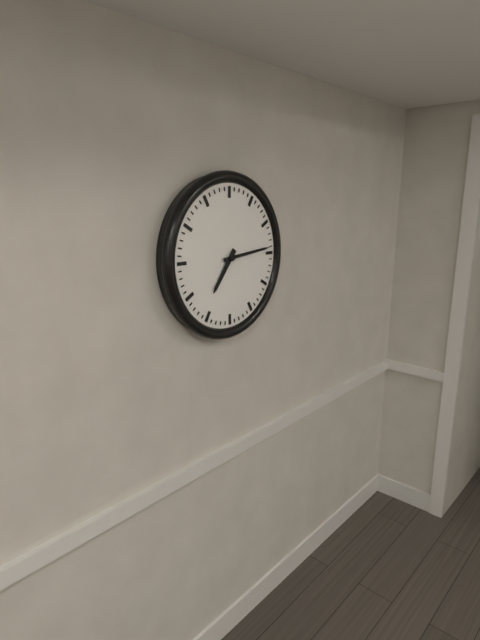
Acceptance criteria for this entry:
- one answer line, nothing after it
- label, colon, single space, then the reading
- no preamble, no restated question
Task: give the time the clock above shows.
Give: 7:14
